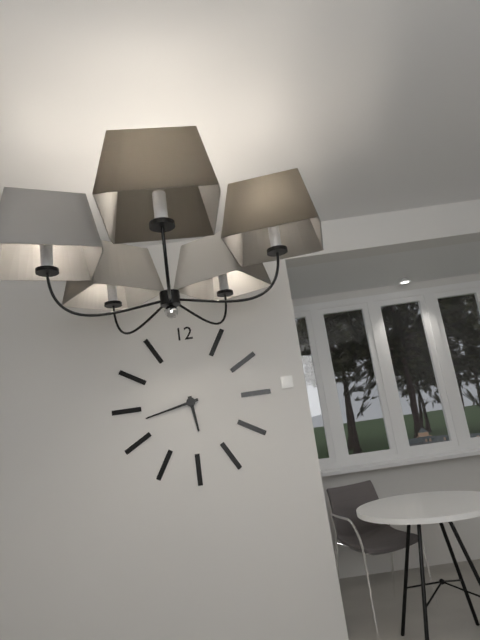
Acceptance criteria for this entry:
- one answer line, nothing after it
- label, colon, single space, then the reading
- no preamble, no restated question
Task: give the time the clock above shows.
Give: 5:43
